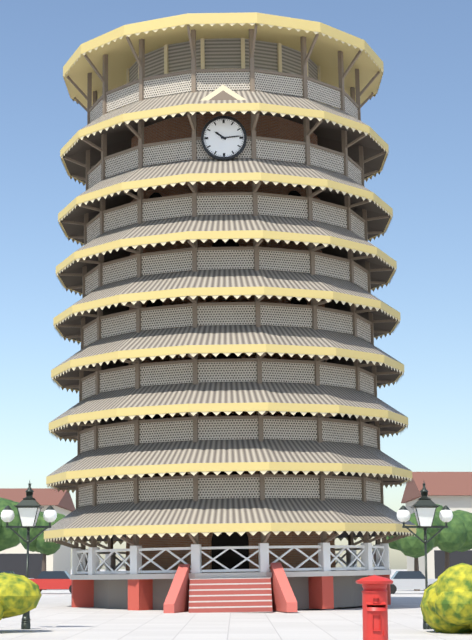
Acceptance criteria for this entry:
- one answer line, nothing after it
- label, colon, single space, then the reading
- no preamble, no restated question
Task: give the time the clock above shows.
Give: 10:14
